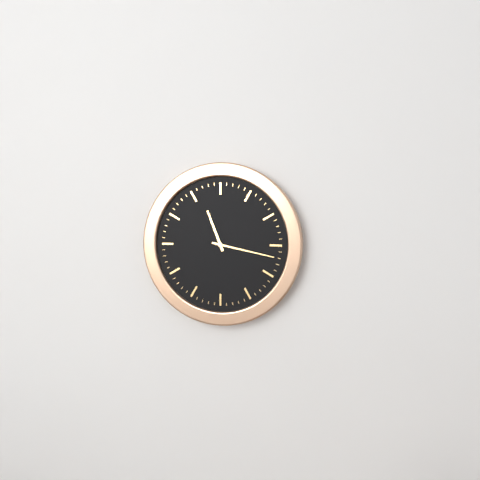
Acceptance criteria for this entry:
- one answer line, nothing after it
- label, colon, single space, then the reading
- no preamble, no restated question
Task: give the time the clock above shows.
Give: 11:17
